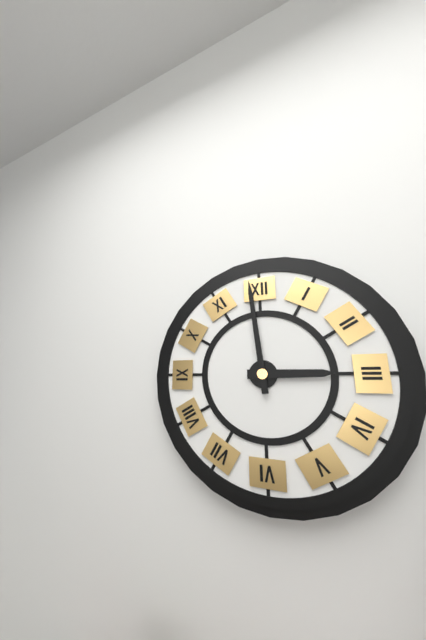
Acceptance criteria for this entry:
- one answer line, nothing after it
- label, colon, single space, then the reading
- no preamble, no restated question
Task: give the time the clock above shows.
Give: 2:59
